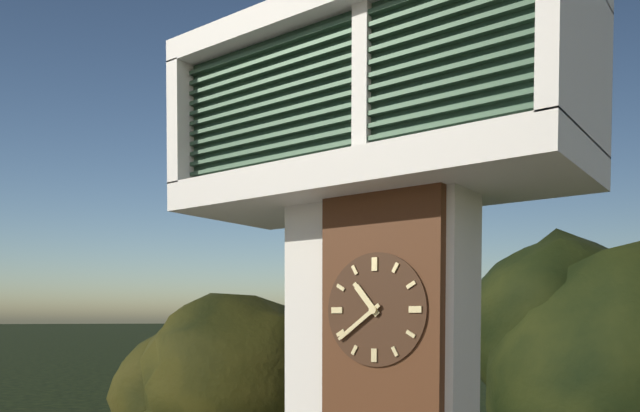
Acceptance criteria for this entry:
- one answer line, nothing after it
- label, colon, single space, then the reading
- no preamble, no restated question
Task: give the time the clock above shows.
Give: 10:39
